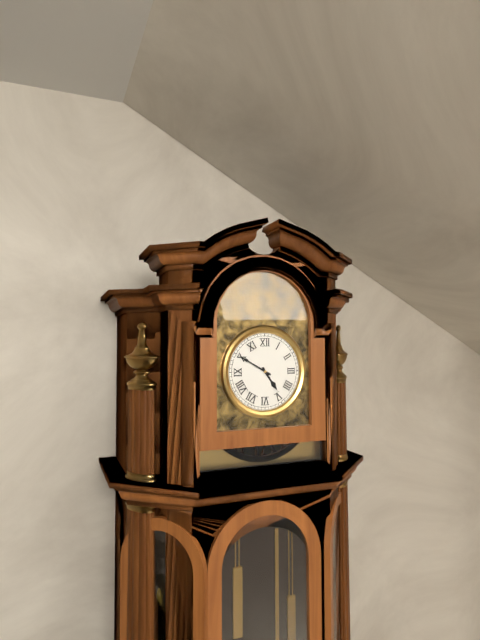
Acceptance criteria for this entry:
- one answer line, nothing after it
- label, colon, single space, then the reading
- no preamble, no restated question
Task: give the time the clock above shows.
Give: 4:50
